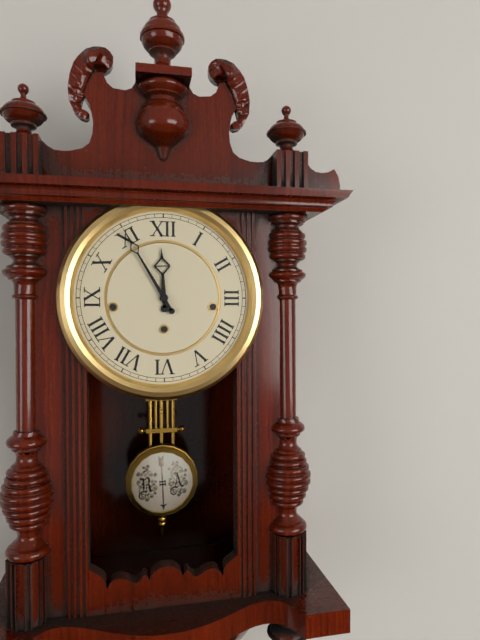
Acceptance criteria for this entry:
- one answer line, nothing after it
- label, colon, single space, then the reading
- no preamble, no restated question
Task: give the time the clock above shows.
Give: 11:55
